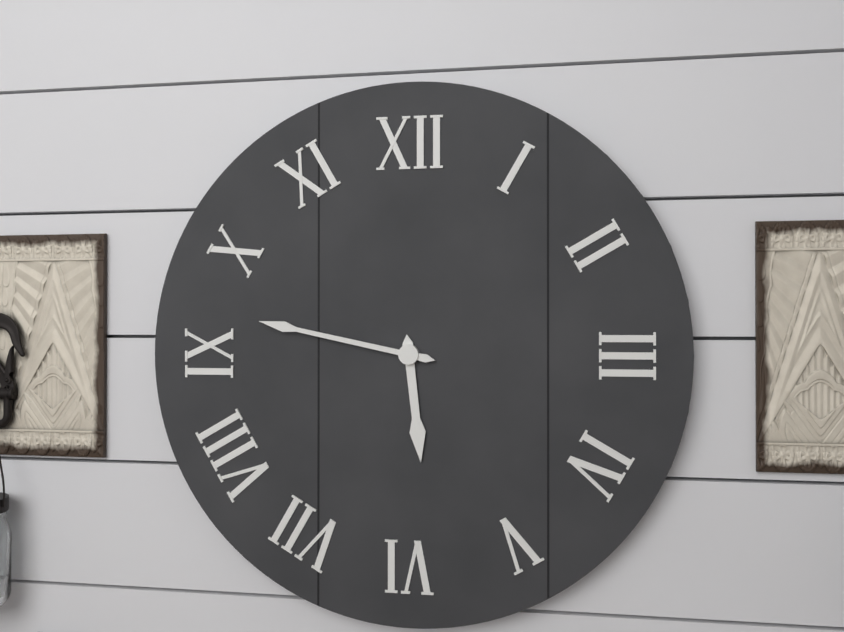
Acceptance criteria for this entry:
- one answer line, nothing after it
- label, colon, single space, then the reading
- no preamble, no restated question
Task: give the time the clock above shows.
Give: 5:47
